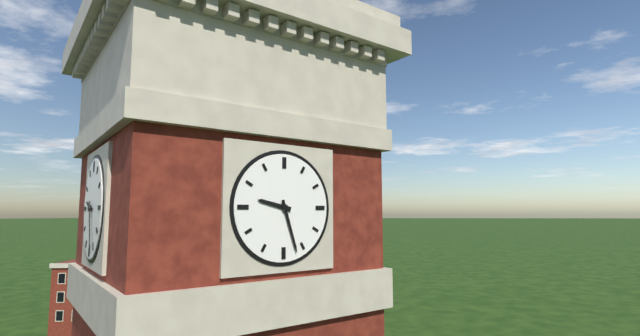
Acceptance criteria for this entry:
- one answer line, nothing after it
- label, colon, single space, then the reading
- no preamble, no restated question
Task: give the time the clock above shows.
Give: 9:27
